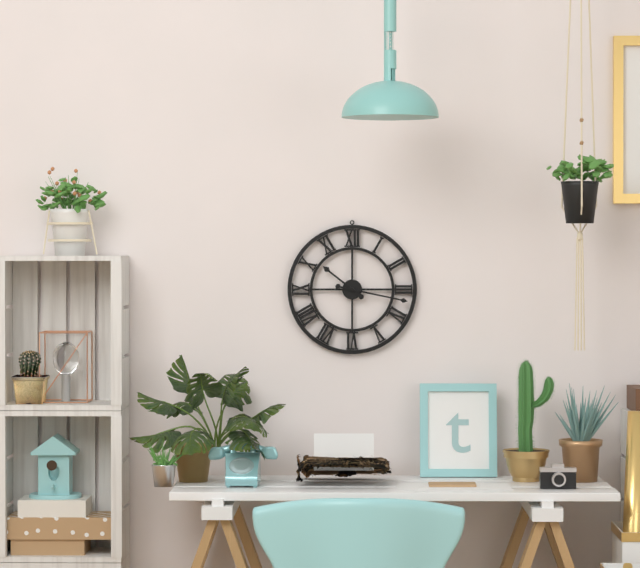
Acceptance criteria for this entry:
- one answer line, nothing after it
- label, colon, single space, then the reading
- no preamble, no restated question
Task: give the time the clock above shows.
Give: 10:17
